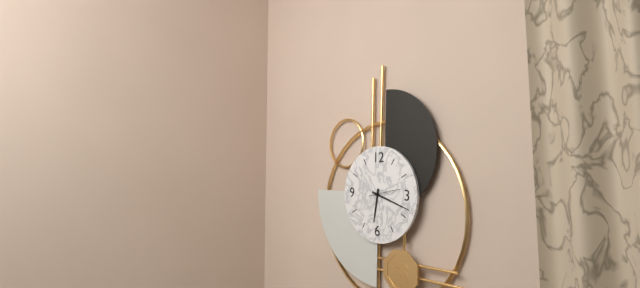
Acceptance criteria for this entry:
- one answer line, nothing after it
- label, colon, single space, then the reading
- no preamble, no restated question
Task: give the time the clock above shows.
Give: 6:18
